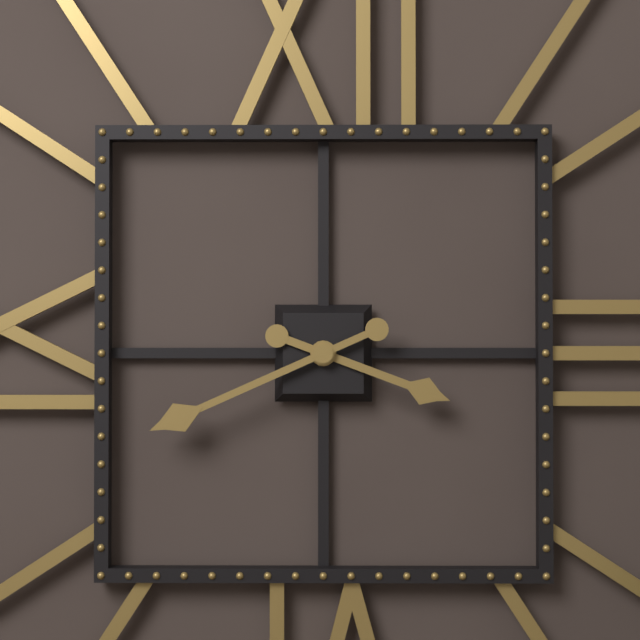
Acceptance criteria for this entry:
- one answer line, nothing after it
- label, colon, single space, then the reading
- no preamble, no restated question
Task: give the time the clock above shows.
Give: 3:41
